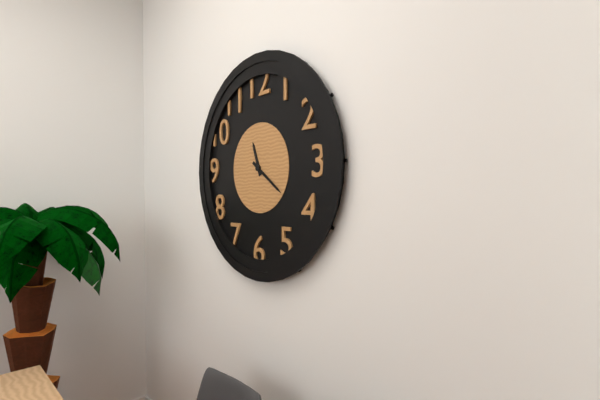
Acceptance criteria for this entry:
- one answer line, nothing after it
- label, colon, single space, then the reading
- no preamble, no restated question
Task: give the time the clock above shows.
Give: 11:21
